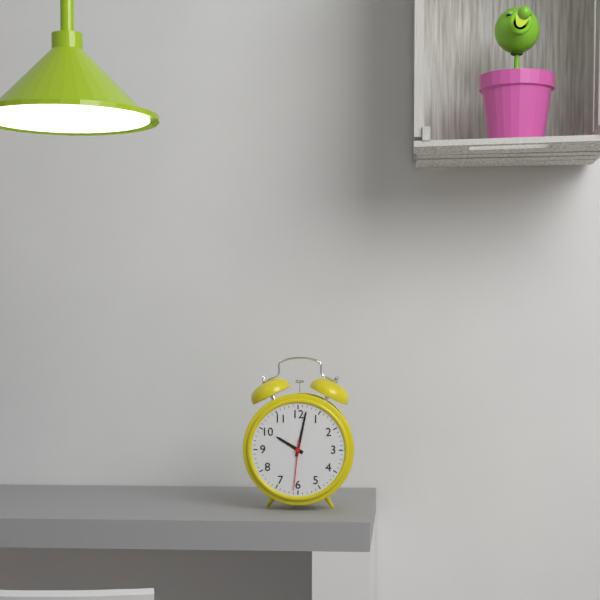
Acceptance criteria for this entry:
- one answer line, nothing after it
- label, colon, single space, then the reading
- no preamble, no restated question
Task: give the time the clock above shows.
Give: 10:02:31
